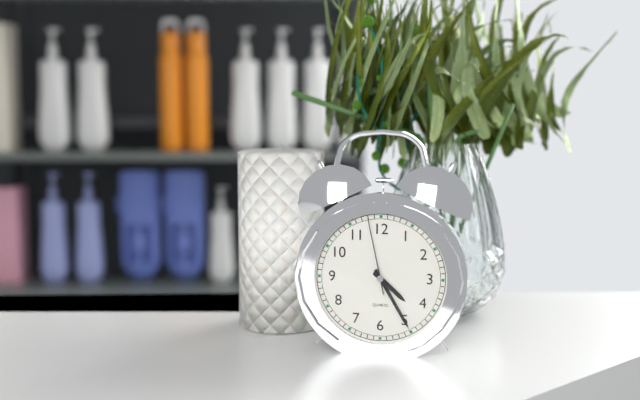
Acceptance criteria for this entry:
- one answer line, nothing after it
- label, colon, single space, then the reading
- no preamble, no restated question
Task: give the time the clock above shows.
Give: 4:25:58
